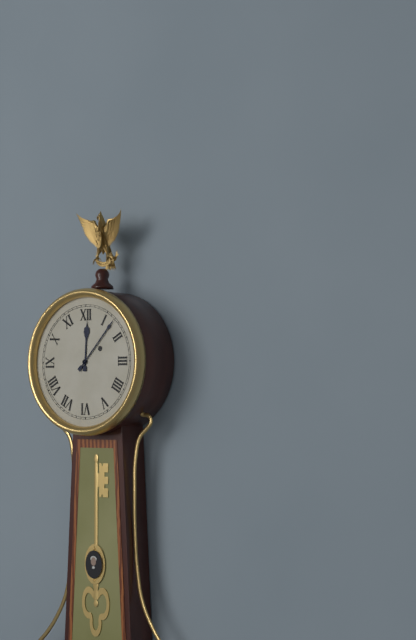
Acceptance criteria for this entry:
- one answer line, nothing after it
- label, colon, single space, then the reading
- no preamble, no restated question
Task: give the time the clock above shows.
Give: 12:07
